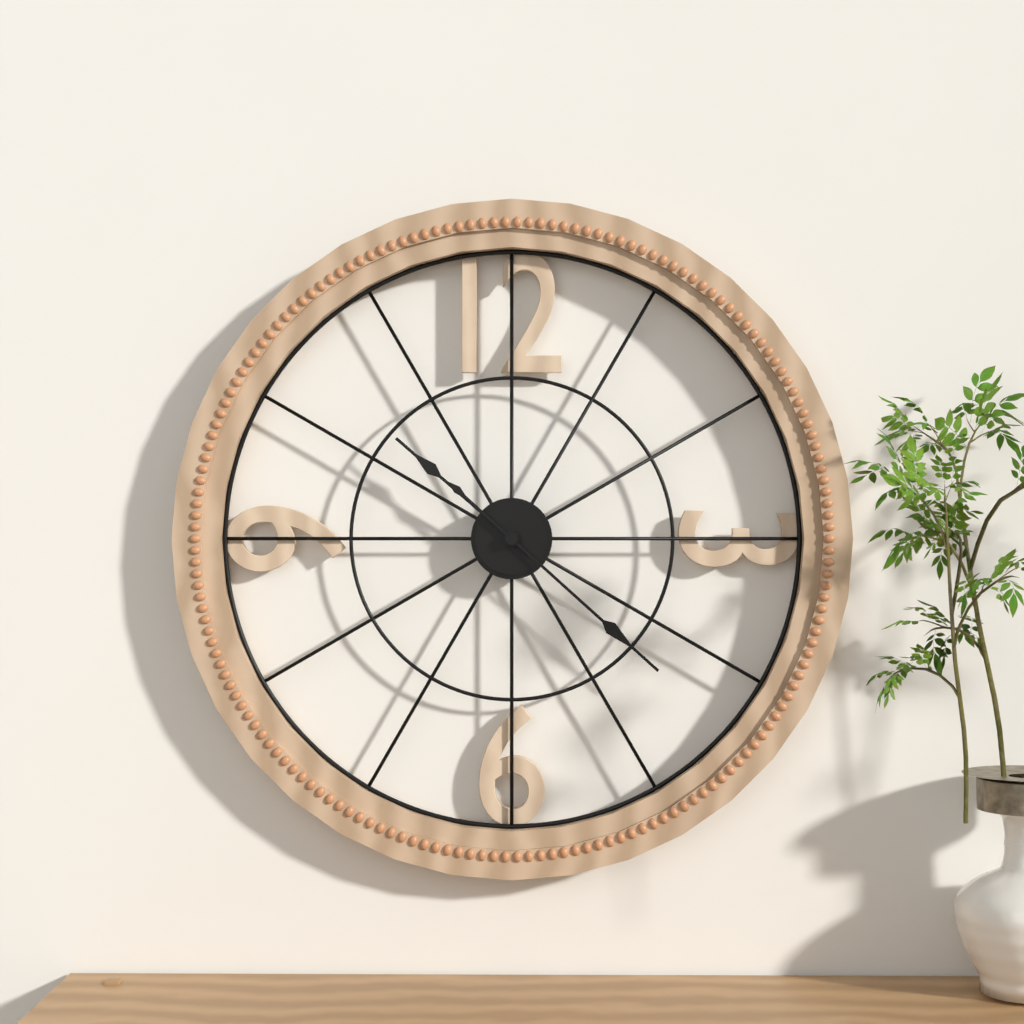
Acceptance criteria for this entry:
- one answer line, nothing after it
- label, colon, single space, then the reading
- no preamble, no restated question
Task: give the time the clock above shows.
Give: 10:22
